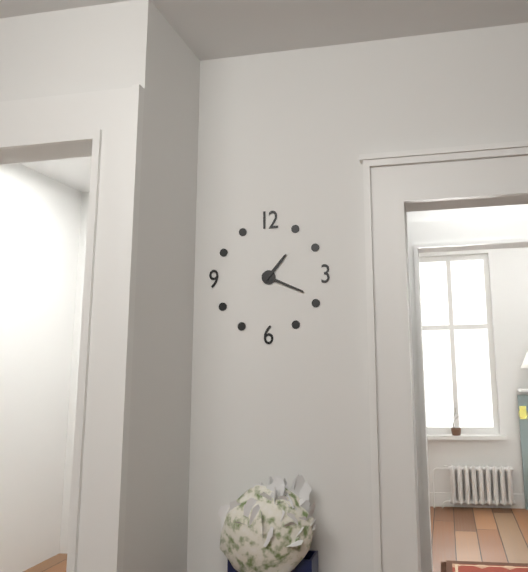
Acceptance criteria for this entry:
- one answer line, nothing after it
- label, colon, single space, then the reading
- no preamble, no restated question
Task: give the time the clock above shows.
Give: 1:19
